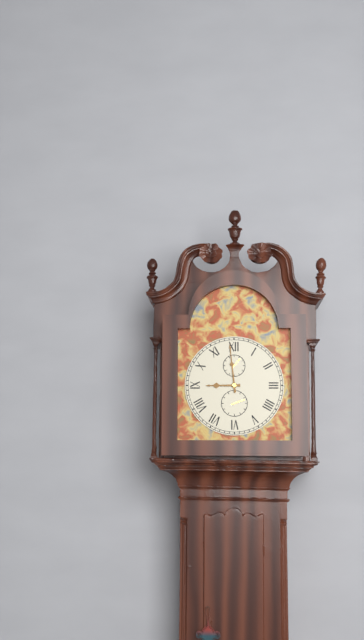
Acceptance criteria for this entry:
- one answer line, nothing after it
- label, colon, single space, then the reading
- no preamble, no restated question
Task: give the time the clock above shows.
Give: 8:59
